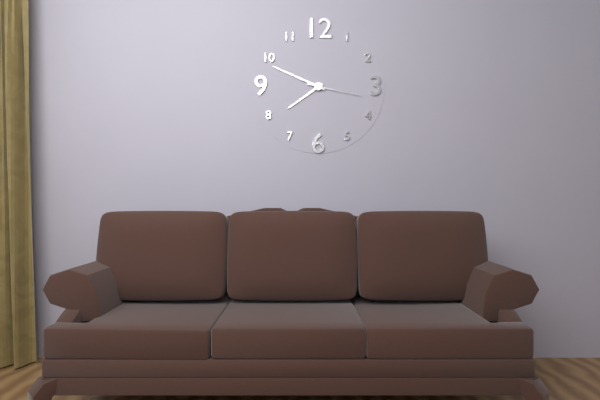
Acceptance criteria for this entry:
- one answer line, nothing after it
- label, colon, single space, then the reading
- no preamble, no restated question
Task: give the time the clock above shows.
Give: 7:49:17
